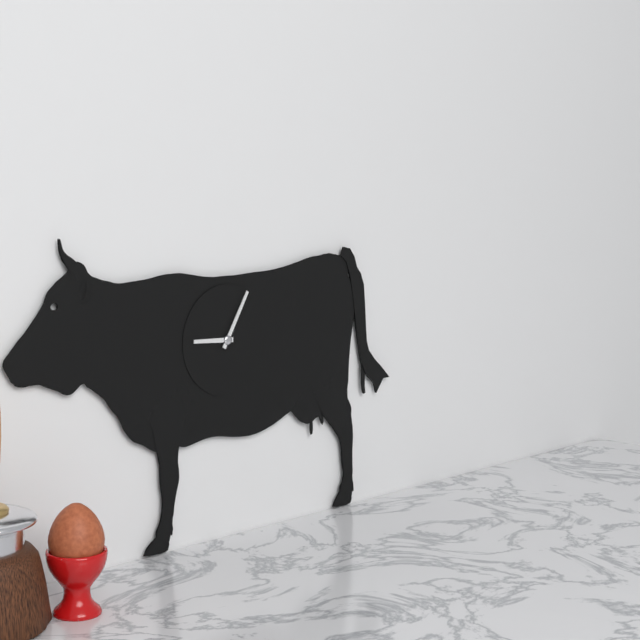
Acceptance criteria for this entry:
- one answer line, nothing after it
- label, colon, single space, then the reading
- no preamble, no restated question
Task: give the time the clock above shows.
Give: 9:05
